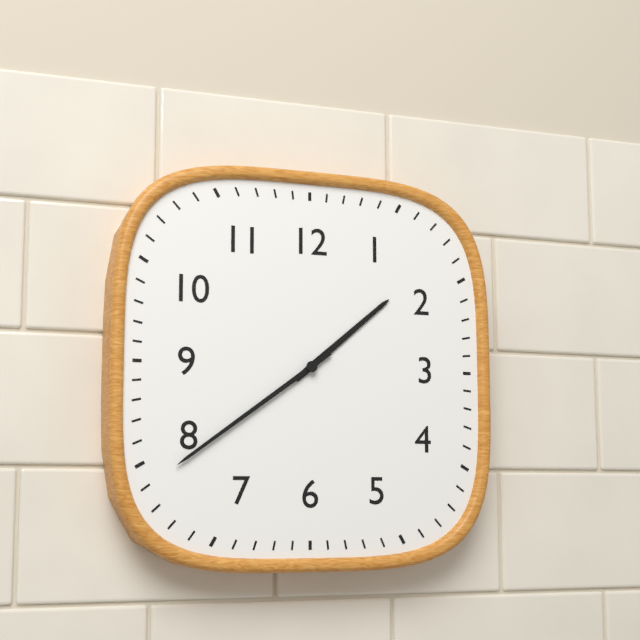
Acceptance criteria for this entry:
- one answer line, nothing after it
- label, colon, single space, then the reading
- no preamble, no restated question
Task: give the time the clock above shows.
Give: 1:39
